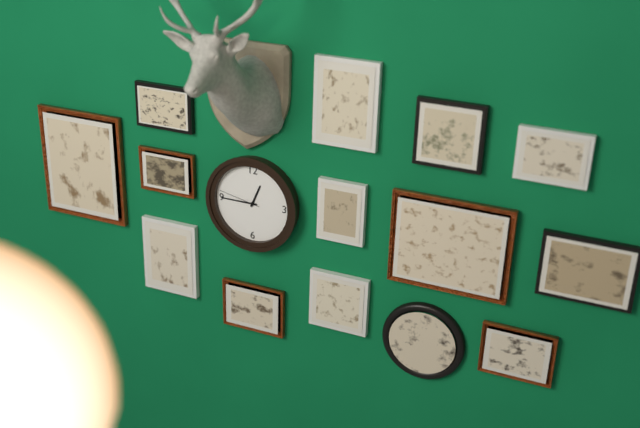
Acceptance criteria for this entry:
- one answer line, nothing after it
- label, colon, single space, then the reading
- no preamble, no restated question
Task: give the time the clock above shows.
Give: 12:45
